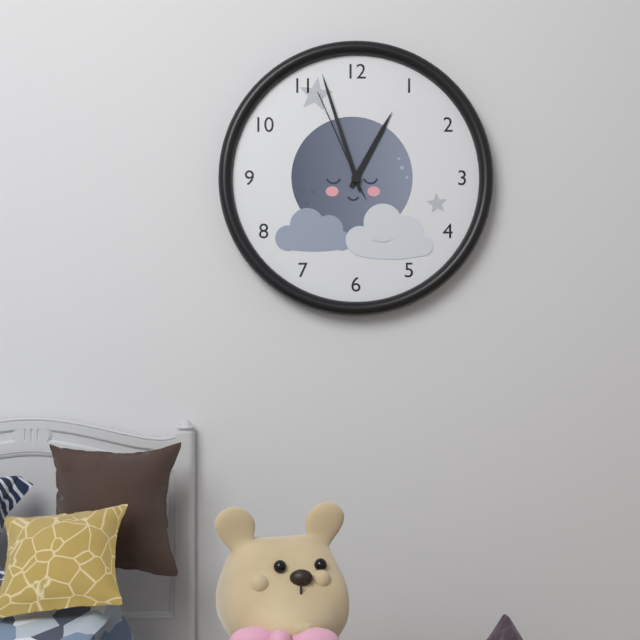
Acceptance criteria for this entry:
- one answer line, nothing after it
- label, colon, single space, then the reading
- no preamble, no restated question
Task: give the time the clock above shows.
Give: 12:57:56
